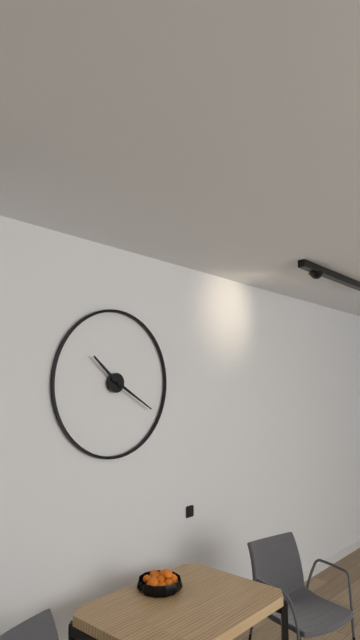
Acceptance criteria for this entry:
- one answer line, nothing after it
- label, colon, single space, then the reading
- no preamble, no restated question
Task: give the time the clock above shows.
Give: 10:20
